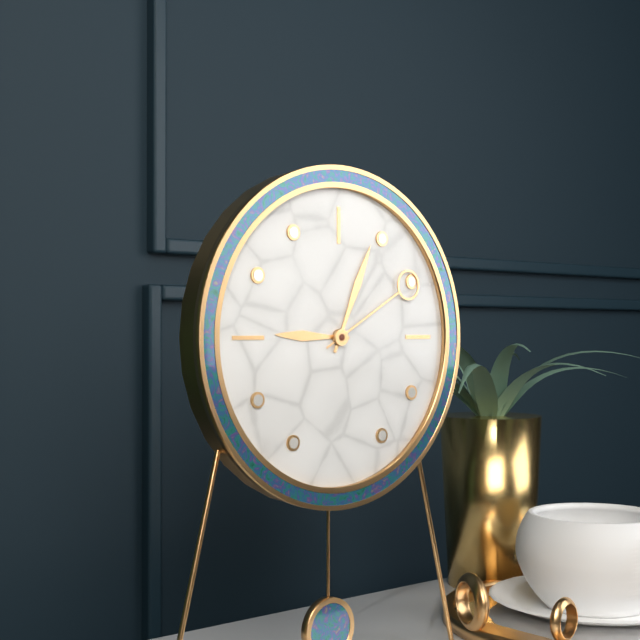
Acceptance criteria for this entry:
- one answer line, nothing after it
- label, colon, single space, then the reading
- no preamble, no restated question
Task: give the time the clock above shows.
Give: 9:04:10
